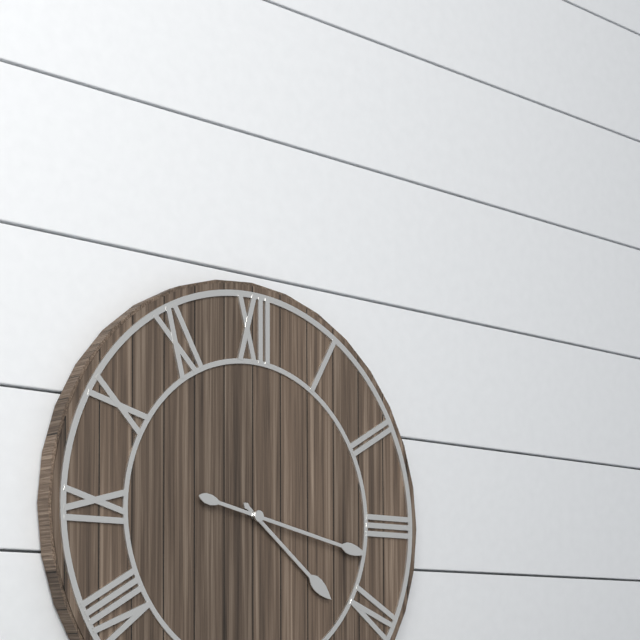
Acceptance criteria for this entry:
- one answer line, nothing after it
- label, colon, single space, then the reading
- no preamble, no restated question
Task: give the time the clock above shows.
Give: 4:17
